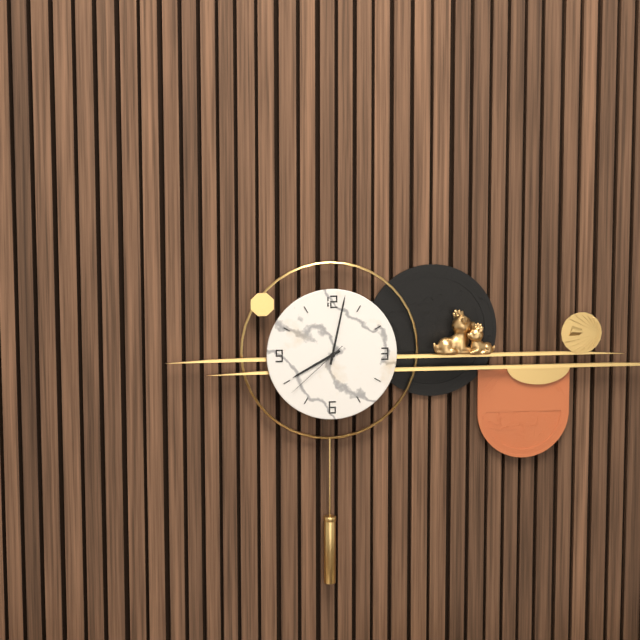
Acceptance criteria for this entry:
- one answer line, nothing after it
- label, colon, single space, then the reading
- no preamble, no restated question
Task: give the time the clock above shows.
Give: 8:02:38
